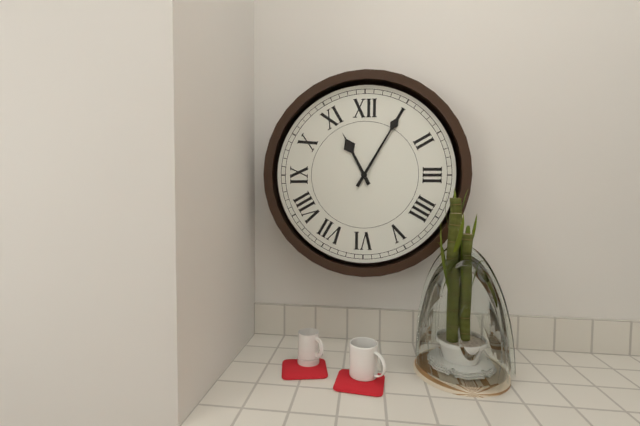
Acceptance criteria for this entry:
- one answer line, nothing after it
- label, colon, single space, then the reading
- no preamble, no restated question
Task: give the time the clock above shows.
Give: 11:05
